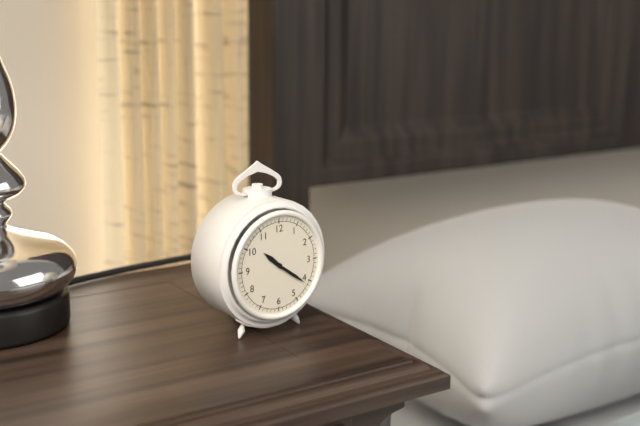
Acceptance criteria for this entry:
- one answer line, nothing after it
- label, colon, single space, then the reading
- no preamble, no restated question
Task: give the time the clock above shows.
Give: 10:21
